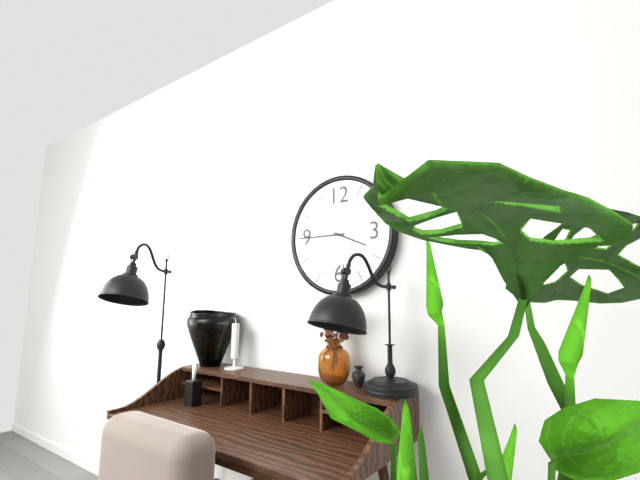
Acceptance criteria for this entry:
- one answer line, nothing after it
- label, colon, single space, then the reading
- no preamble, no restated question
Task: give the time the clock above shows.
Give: 3:45
